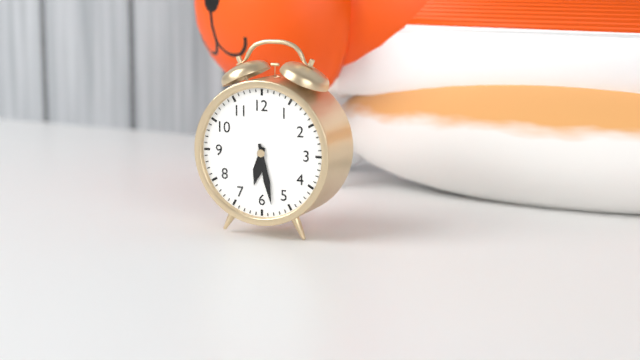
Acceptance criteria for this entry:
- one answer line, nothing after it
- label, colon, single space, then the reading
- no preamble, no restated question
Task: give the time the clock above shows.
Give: 6:28
